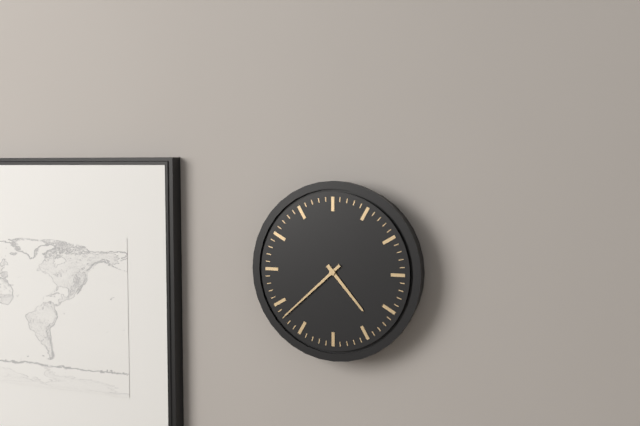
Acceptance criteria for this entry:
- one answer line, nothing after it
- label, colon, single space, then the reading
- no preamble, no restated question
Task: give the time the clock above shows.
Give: 4:38
